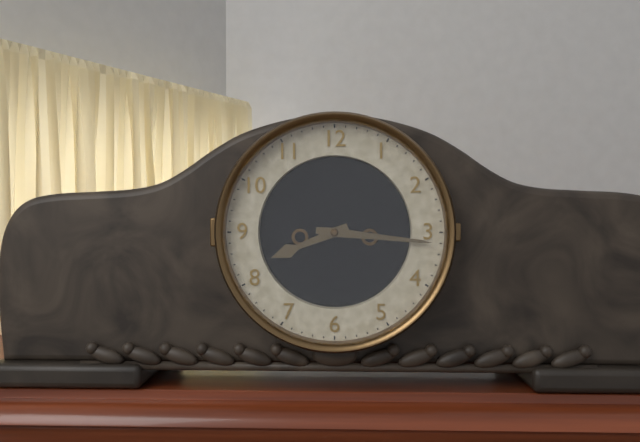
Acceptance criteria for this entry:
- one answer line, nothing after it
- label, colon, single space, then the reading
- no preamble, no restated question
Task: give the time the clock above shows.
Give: 8:16
